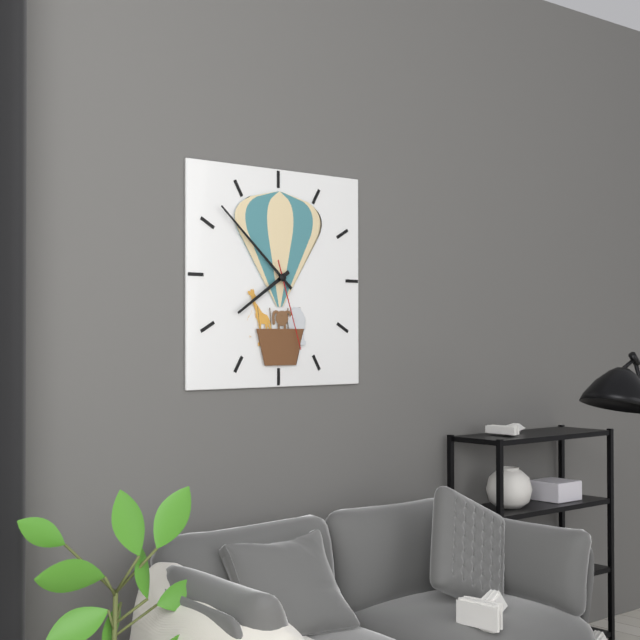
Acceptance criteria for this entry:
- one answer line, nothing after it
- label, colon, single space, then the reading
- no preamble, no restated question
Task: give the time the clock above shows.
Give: 7:52:27
